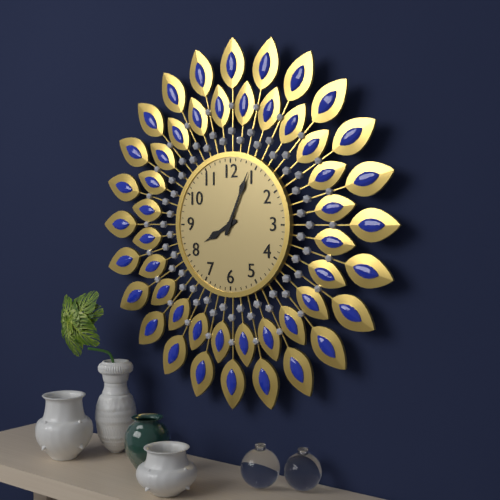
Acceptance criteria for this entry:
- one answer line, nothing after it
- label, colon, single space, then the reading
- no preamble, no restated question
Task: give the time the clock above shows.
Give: 8:04
